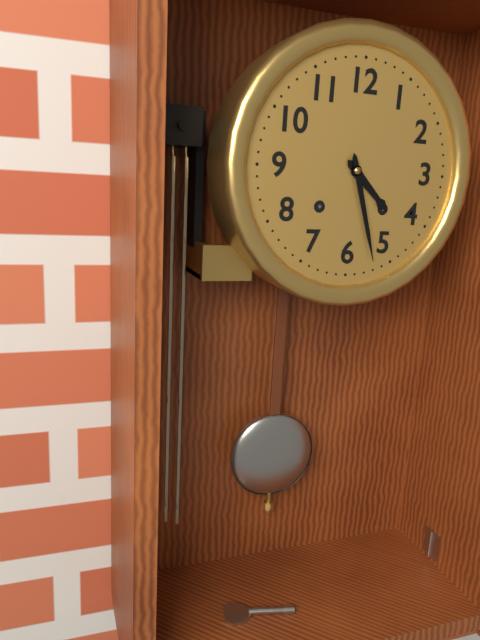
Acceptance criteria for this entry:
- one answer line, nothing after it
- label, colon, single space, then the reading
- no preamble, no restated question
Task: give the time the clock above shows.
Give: 4:27
